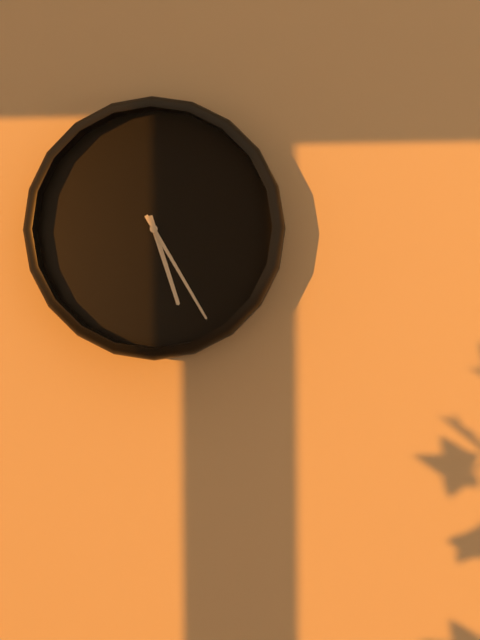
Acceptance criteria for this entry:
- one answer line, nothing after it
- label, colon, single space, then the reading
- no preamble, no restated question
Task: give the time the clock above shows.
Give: 5:25
